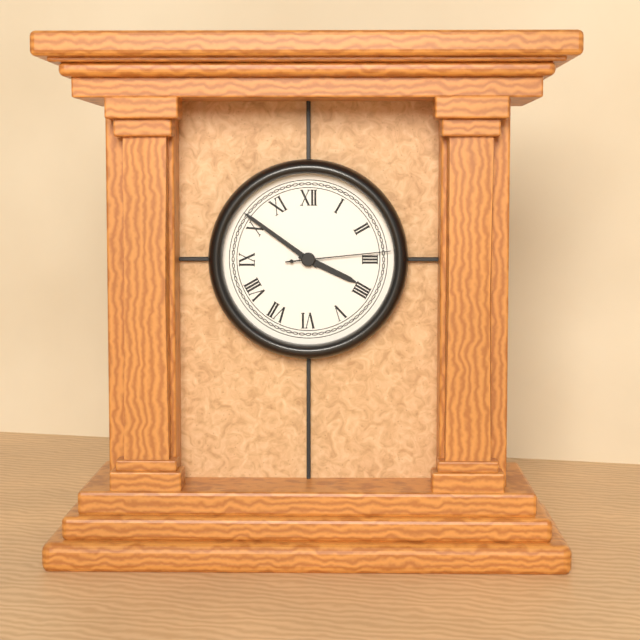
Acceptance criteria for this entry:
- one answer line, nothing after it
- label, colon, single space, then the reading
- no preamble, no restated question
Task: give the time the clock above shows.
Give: 3:51:14
